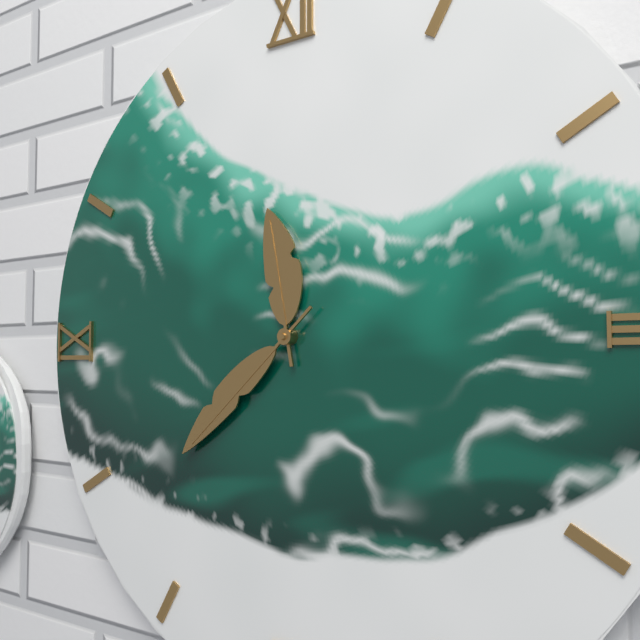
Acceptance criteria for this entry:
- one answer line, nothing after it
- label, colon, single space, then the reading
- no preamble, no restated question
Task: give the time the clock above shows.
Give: 11:38
